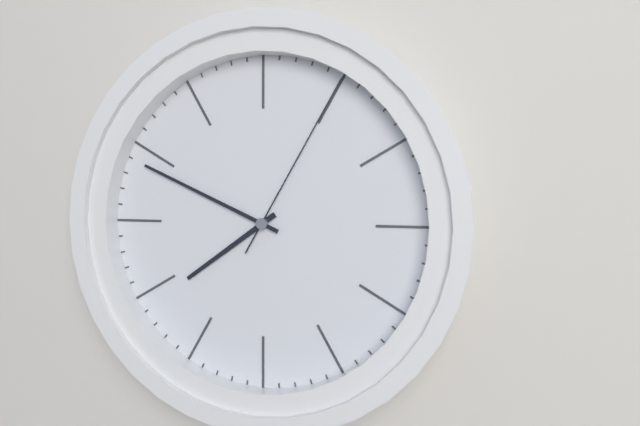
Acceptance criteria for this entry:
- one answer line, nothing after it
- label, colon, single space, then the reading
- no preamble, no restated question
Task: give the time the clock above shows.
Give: 7:49:05
